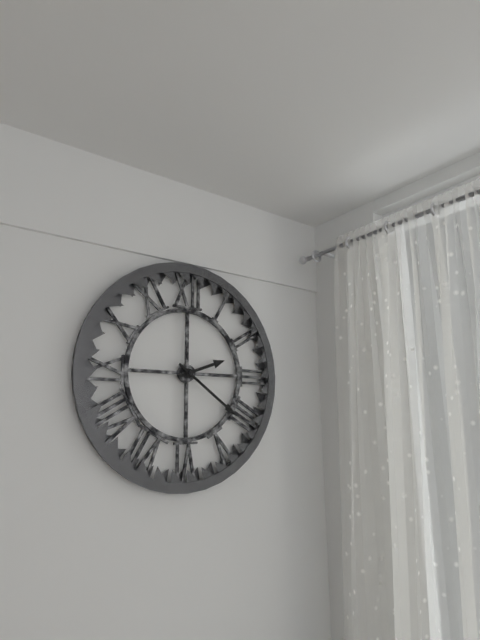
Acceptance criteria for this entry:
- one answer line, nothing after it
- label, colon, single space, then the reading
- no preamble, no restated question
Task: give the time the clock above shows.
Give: 2:21
